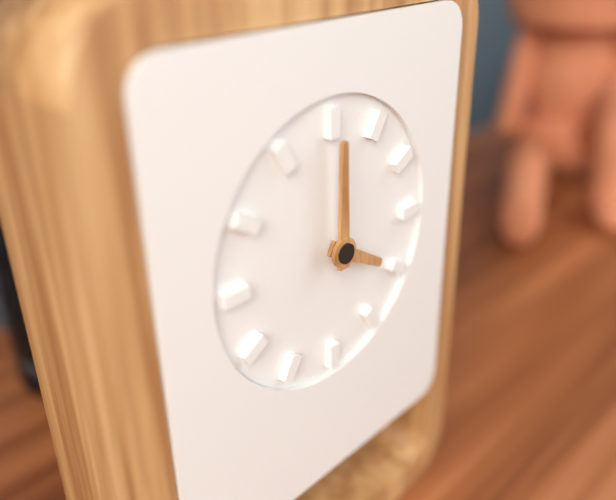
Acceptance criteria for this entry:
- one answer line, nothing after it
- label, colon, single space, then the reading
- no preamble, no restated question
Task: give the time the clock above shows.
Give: 4:00
